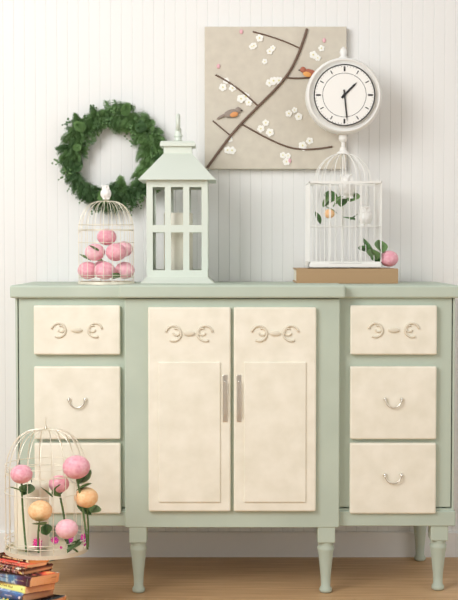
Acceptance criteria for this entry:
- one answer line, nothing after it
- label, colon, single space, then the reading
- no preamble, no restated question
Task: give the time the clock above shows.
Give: 1:29
